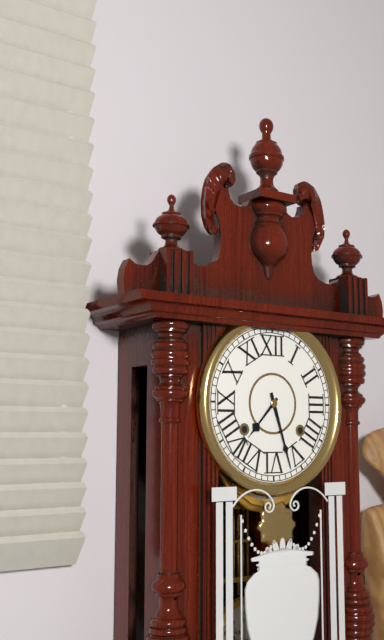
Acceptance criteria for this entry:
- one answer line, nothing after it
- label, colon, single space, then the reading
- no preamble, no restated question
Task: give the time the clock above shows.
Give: 7:27
